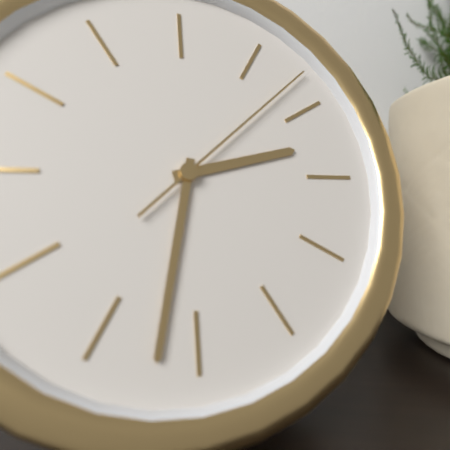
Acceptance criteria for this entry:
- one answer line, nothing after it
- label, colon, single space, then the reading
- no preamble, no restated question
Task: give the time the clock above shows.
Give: 2:32:08
